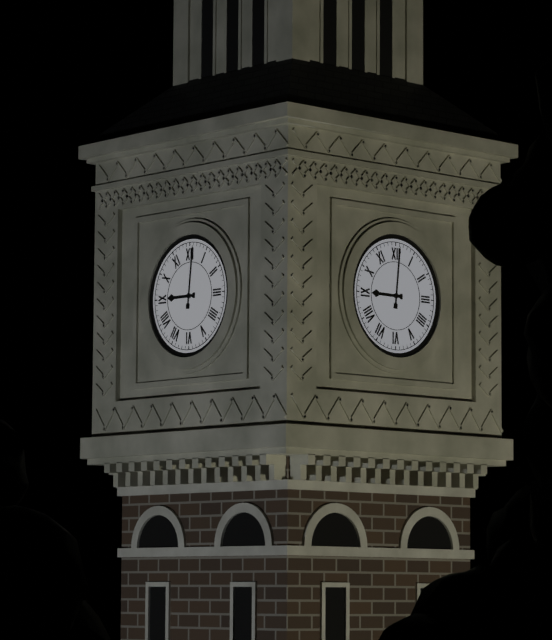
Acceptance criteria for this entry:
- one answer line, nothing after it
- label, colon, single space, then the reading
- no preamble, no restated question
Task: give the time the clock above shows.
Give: 9:01
